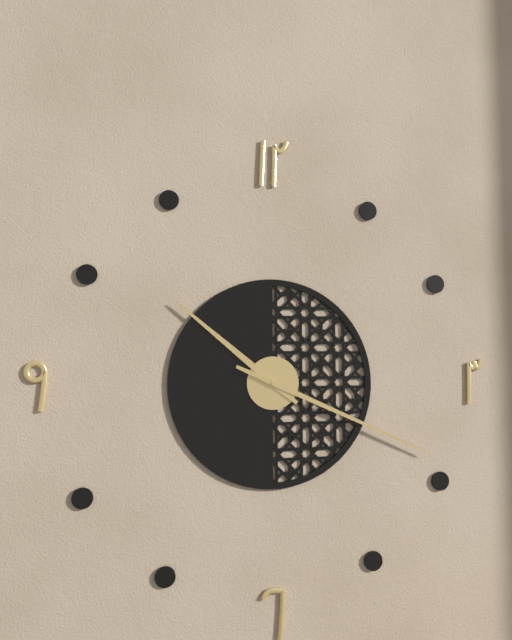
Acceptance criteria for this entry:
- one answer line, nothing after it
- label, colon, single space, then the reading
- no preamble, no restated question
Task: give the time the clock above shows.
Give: 10:19
